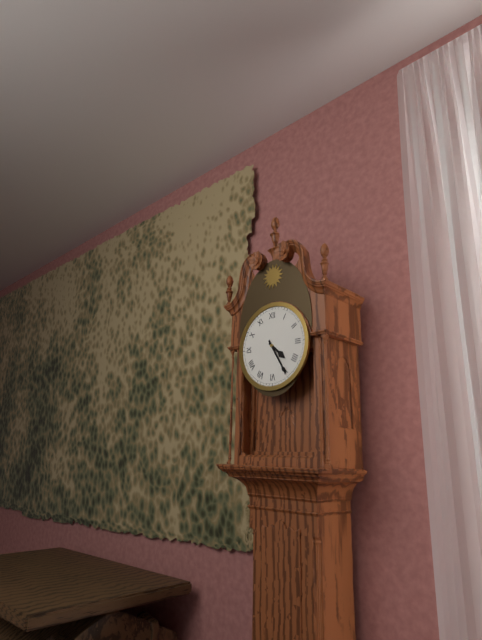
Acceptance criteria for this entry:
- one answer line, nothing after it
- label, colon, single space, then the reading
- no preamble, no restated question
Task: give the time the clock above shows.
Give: 4:25
